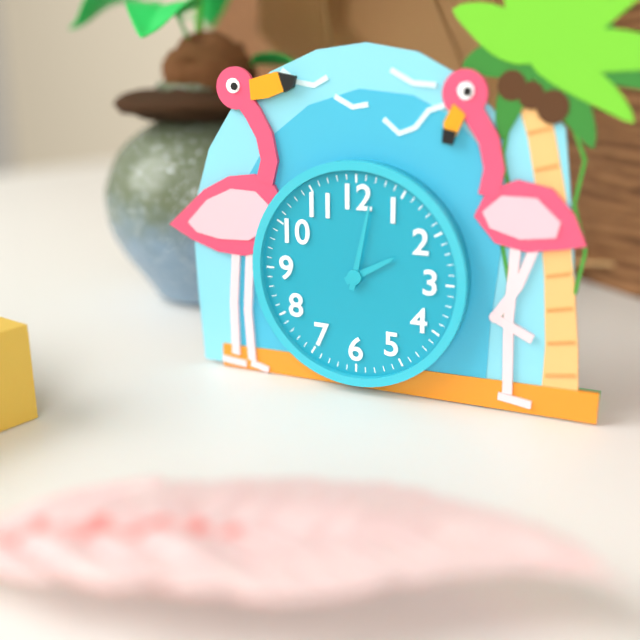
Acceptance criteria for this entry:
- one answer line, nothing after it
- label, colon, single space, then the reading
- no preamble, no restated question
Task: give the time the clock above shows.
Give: 2:02
